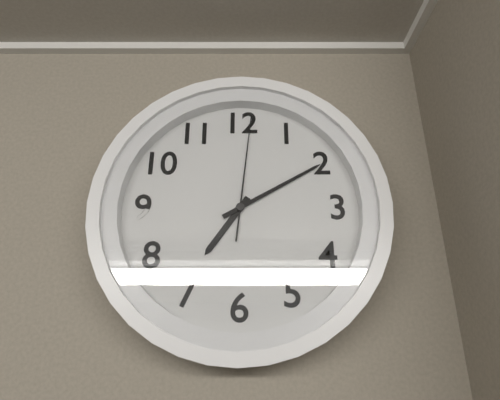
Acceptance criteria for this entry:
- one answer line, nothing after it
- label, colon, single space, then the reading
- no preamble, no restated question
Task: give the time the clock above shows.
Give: 7:10:01
